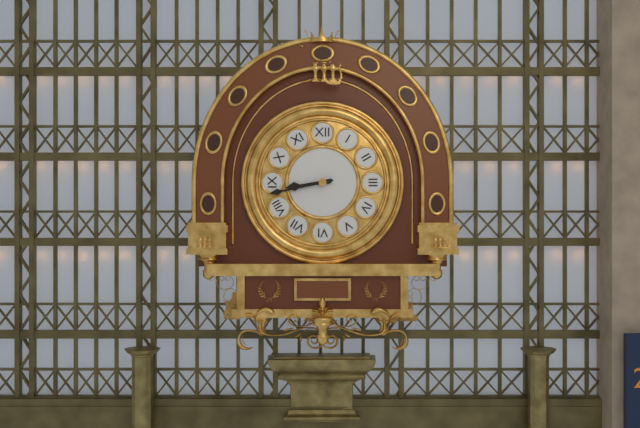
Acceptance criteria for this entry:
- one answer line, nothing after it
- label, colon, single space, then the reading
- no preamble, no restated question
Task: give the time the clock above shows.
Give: 8:43
